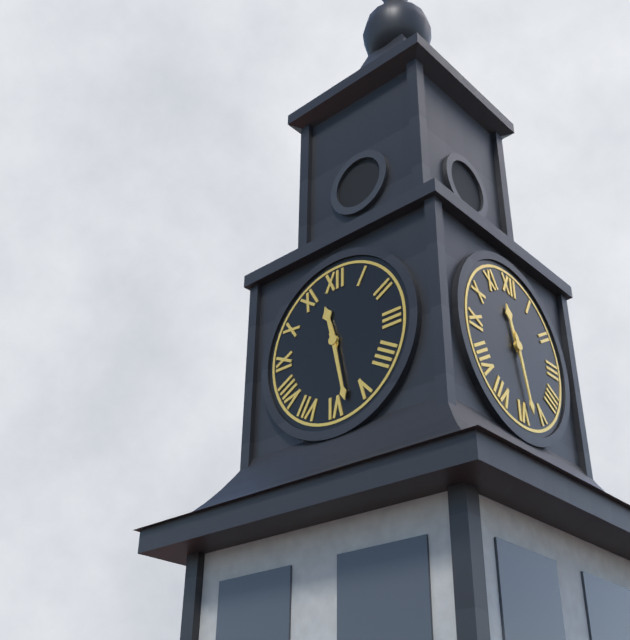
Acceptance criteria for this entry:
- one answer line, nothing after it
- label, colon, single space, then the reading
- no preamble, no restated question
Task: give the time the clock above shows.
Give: 11:28
